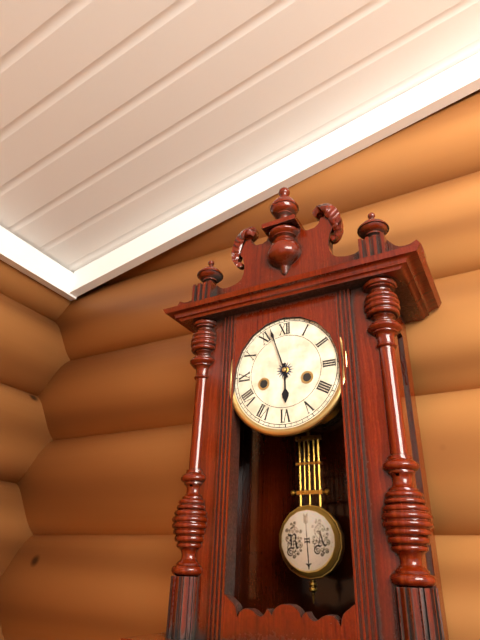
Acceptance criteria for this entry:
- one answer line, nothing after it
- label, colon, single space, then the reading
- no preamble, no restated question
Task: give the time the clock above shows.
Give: 5:57
